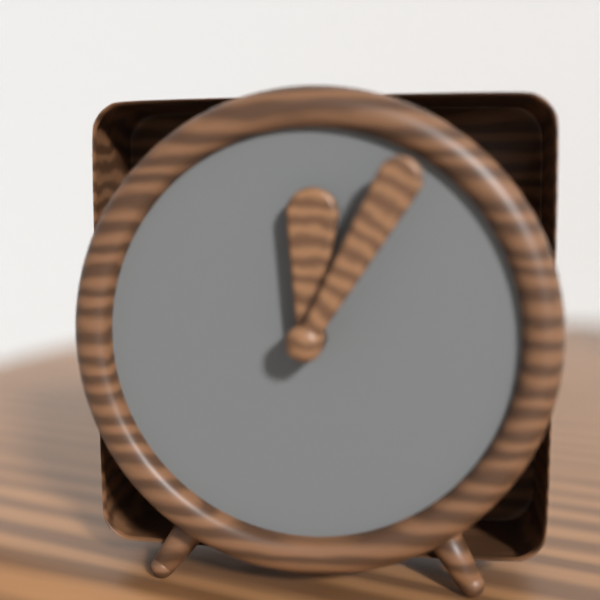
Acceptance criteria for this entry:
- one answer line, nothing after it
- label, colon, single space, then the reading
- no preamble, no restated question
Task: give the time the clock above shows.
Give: 12:05
